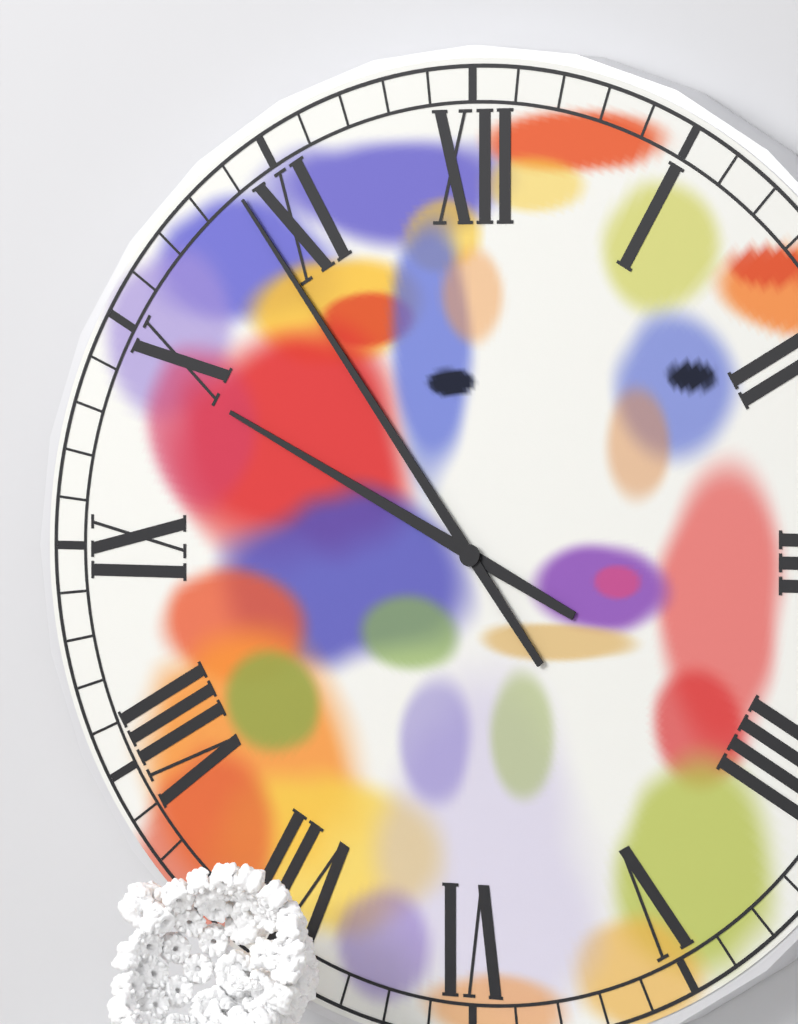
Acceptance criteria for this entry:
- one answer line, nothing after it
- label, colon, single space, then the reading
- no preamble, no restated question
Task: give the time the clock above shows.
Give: 9:54
